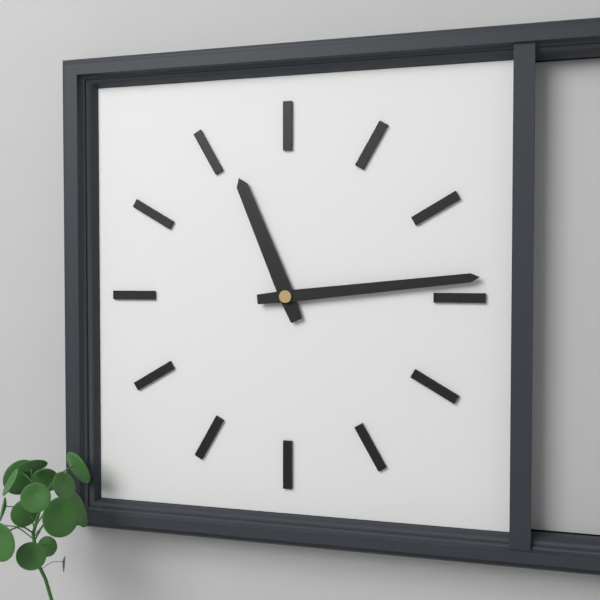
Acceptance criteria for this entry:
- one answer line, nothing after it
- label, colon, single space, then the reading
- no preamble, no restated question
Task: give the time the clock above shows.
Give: 11:14
